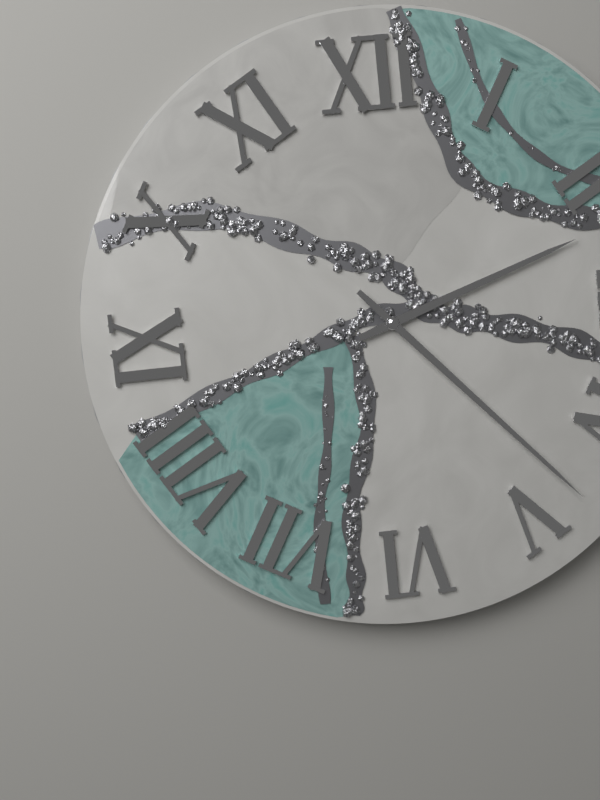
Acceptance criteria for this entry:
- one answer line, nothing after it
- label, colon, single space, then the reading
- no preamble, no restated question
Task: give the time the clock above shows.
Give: 2:23
